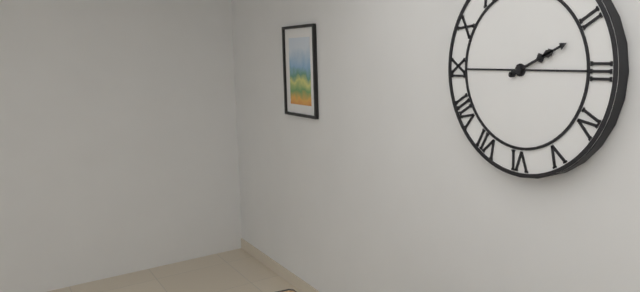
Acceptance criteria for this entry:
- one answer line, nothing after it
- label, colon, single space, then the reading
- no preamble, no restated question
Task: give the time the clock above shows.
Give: 2:11
